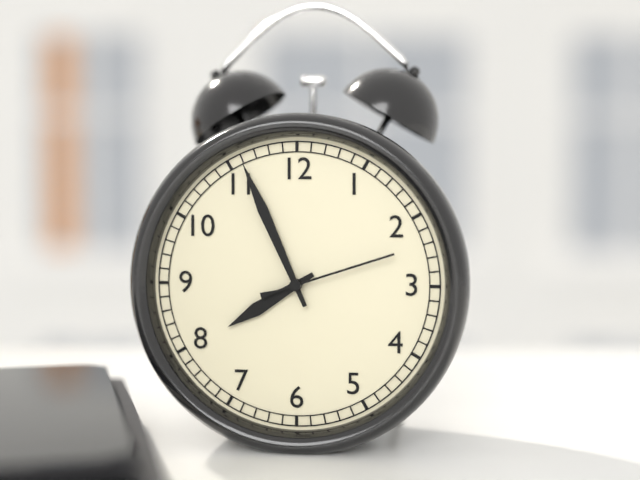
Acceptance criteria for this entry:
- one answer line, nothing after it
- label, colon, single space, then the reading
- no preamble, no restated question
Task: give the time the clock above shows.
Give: 7:56:12
